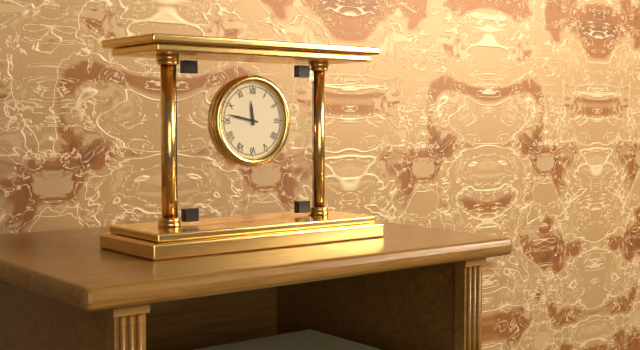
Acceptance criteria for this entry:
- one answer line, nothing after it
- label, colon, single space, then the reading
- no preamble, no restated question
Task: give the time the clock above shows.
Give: 11:47
